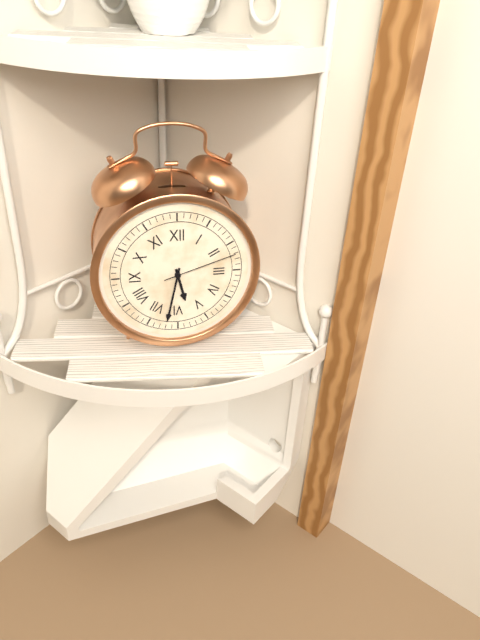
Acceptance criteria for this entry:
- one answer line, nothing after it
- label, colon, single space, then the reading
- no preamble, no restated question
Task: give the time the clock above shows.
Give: 5:32:12
